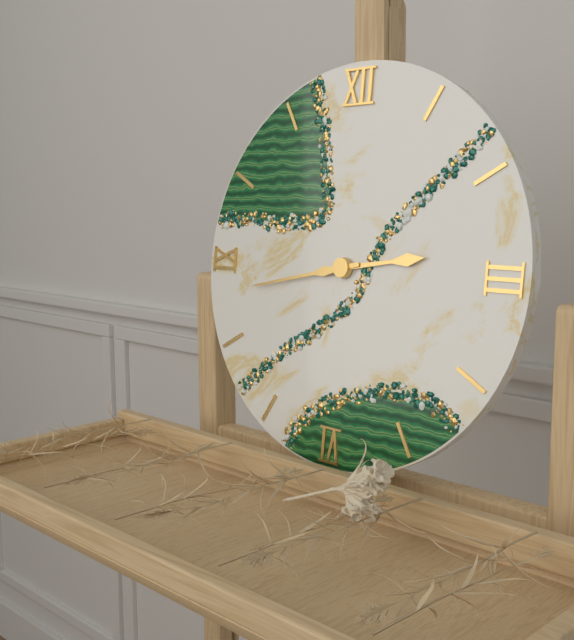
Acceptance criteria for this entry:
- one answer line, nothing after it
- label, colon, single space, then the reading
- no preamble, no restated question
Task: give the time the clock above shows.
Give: 2:43
